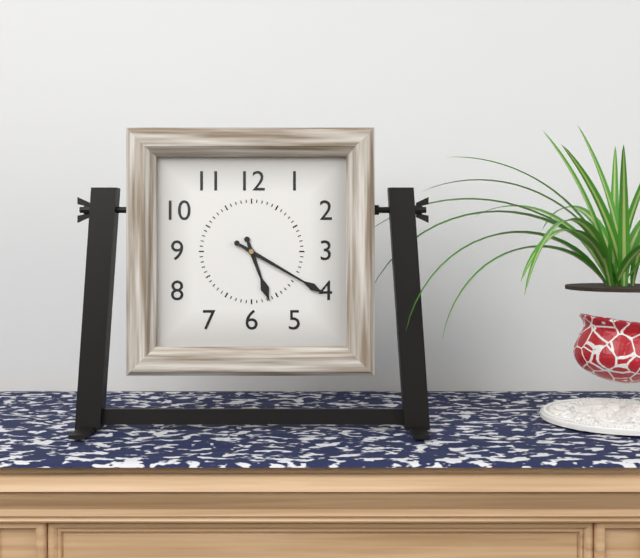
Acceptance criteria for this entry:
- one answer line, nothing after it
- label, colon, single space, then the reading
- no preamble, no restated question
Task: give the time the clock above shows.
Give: 5:20
